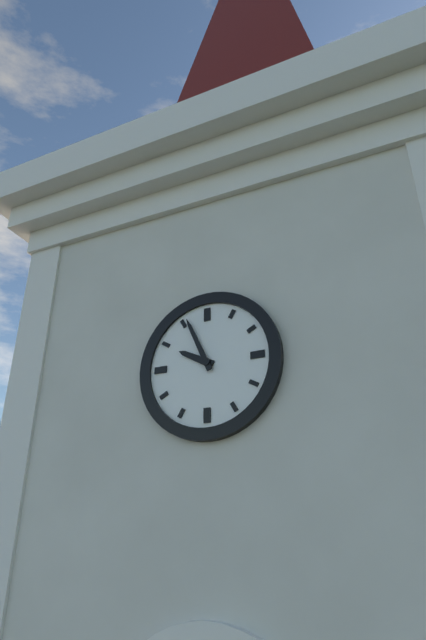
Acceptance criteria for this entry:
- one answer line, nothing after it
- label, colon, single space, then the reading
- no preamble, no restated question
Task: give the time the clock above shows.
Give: 9:56
